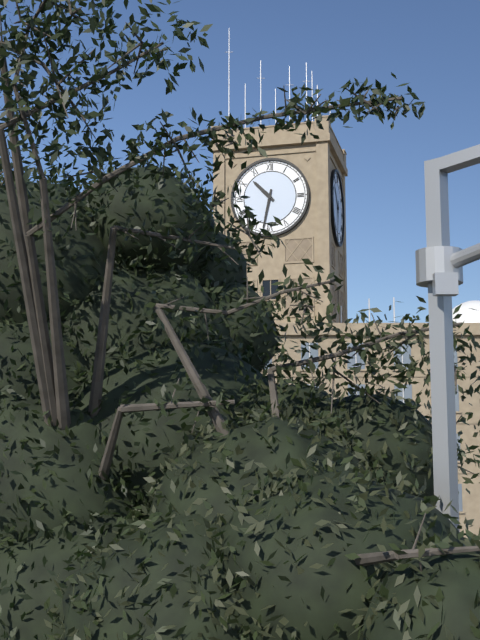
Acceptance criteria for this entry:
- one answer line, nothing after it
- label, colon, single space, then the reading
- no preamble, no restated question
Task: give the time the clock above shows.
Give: 10:32
